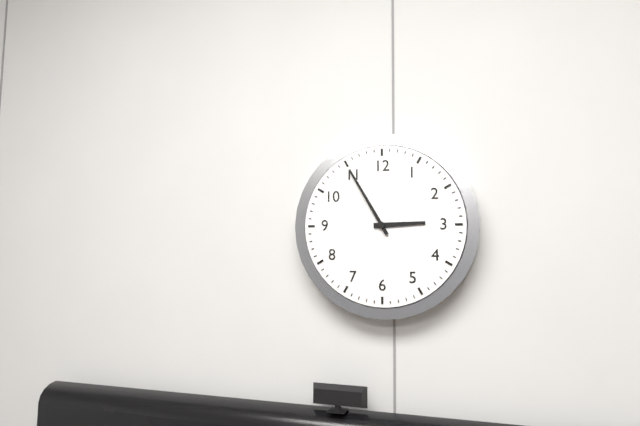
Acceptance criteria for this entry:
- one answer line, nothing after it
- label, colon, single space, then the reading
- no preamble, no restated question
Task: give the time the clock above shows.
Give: 2:55
